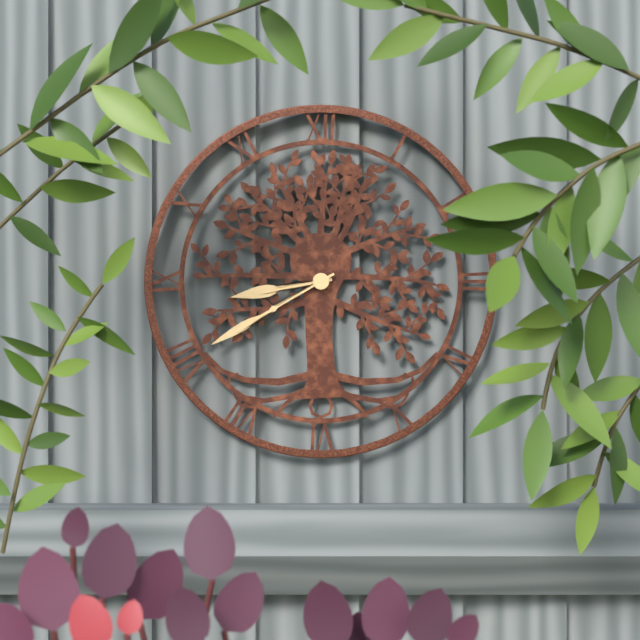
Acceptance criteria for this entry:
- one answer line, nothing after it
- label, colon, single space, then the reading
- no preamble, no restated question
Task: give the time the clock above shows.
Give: 8:40
